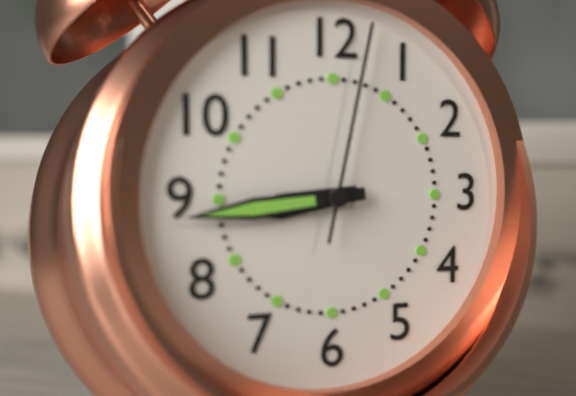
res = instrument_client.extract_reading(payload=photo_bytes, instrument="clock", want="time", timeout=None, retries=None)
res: 8:44:02
